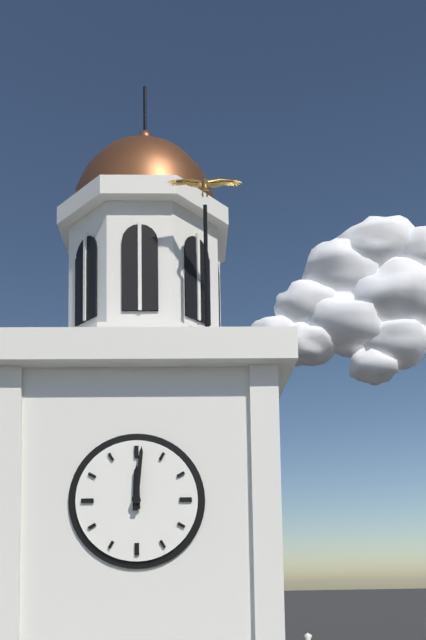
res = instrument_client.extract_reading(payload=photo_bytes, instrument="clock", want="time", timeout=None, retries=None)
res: 12:01
